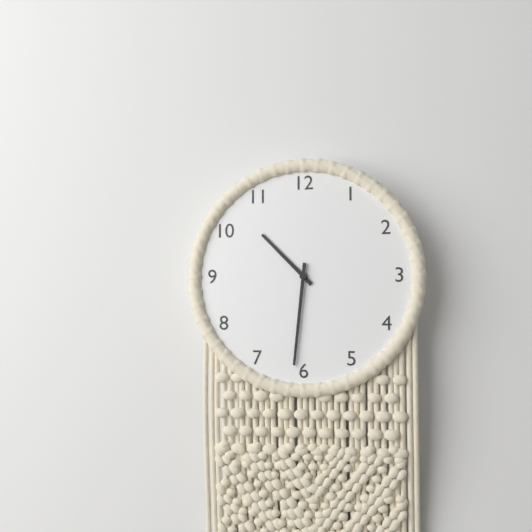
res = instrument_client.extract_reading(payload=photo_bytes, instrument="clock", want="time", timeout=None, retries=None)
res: 10:31
